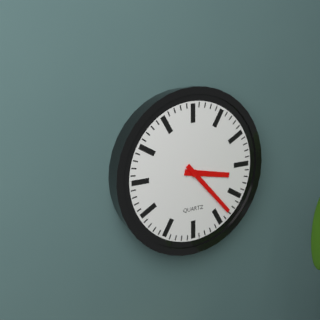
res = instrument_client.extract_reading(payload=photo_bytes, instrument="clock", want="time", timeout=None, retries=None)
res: 3:23
